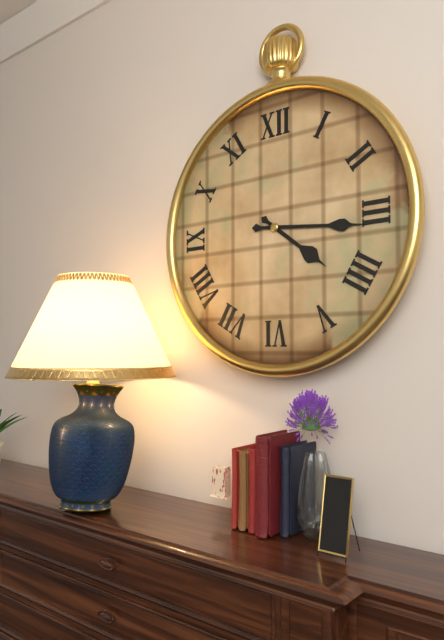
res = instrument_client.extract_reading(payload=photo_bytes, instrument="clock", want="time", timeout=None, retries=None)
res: 4:16
